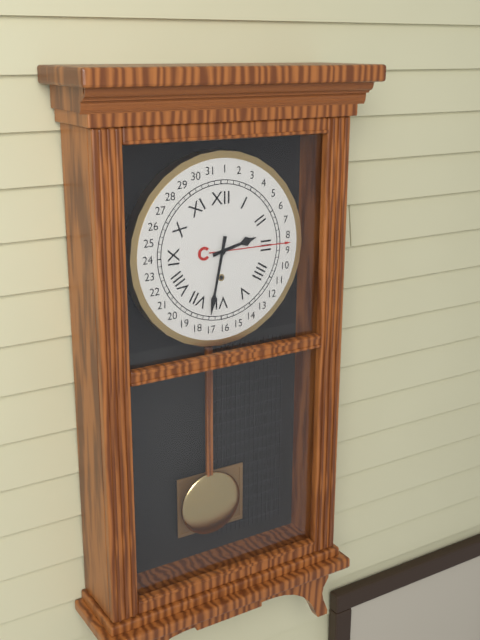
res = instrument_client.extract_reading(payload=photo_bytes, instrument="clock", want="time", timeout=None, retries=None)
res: 2:32
